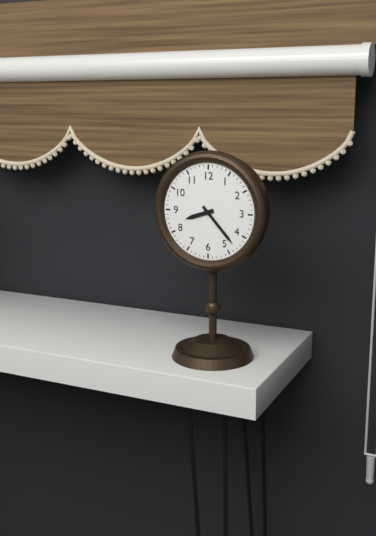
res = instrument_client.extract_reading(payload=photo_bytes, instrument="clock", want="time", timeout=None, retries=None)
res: 8:23
